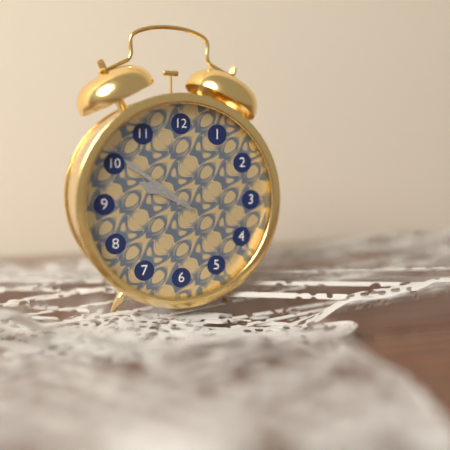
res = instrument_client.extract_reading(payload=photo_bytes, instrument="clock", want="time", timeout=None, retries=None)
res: 9:51
